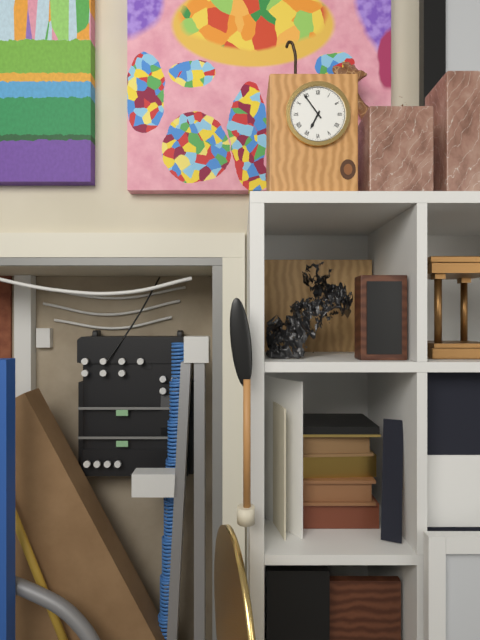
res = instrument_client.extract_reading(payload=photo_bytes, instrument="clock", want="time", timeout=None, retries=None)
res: 6:54
